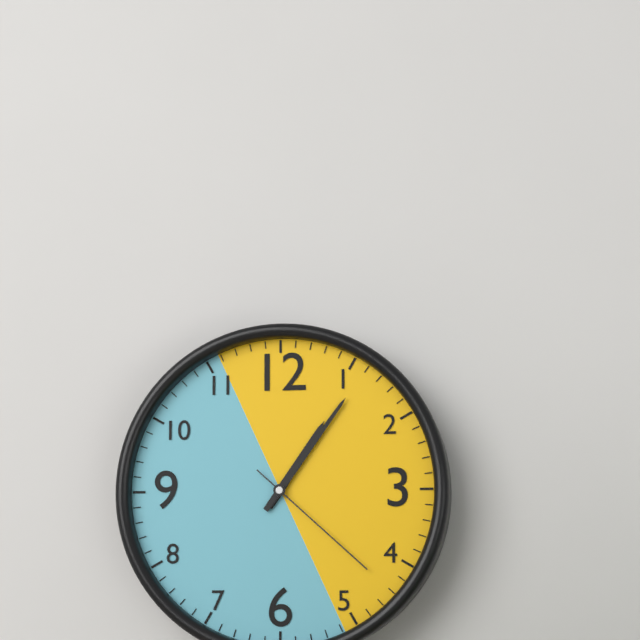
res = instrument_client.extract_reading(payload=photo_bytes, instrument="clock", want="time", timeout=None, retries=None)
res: 1:06:22
